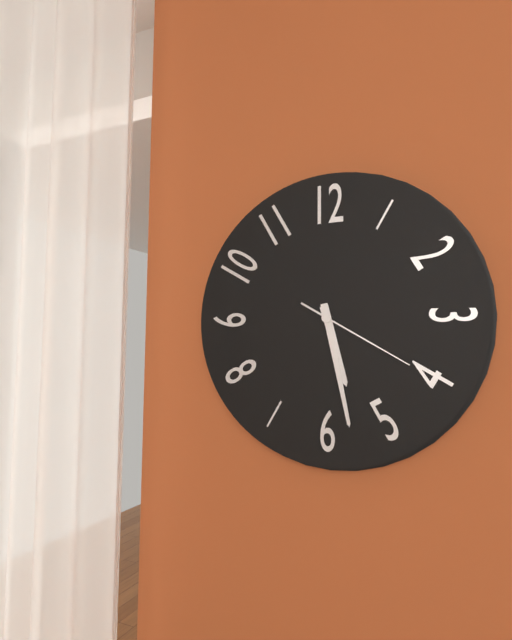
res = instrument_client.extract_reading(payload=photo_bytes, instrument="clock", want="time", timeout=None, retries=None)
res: 5:28:20
